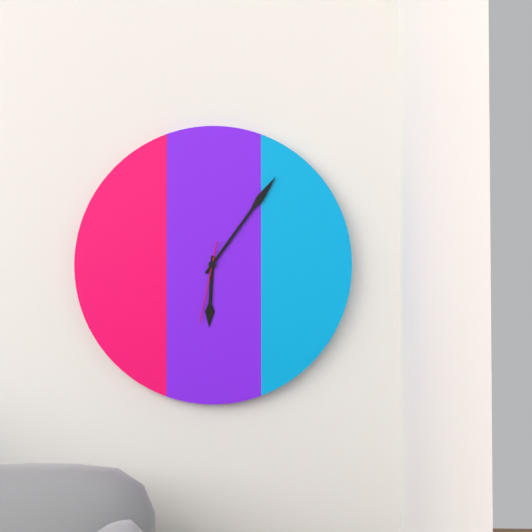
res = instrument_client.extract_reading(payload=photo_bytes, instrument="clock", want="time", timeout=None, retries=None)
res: 6:06:32
